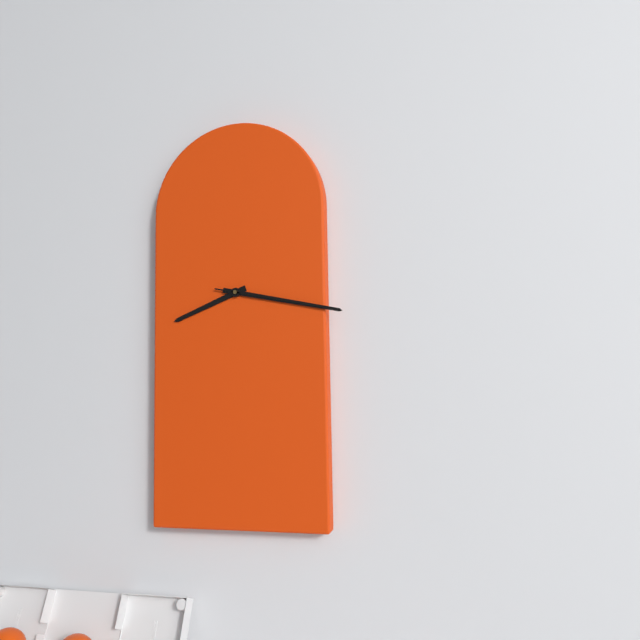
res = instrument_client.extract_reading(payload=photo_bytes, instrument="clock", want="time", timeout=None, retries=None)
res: 8:17:17
